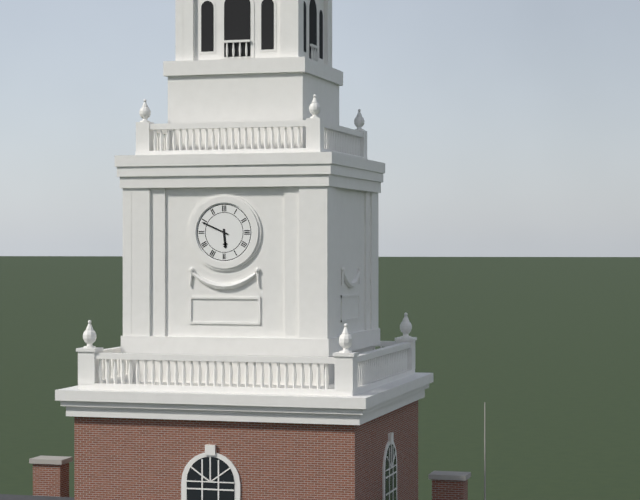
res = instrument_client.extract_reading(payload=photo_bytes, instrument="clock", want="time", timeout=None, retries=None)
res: 5:49
